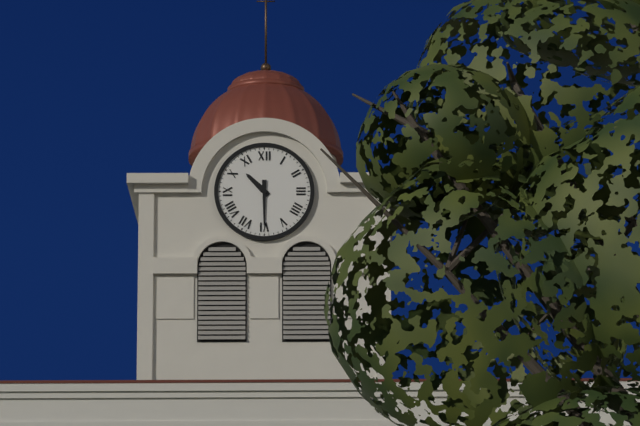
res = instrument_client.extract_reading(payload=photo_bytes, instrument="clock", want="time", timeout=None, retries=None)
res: 10:30
